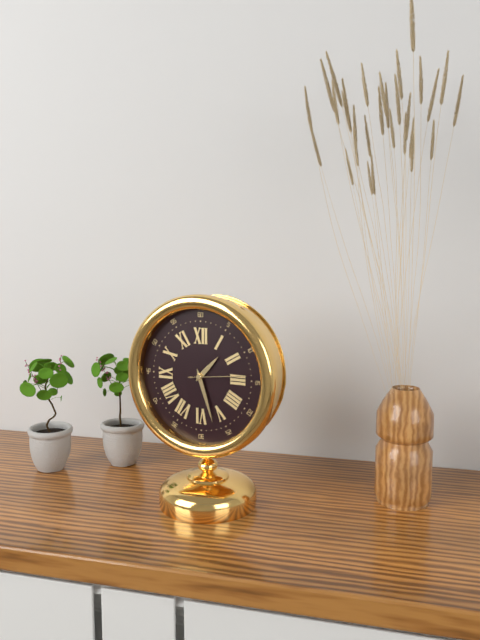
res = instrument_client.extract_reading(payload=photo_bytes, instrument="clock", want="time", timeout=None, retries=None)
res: 1:27:14
